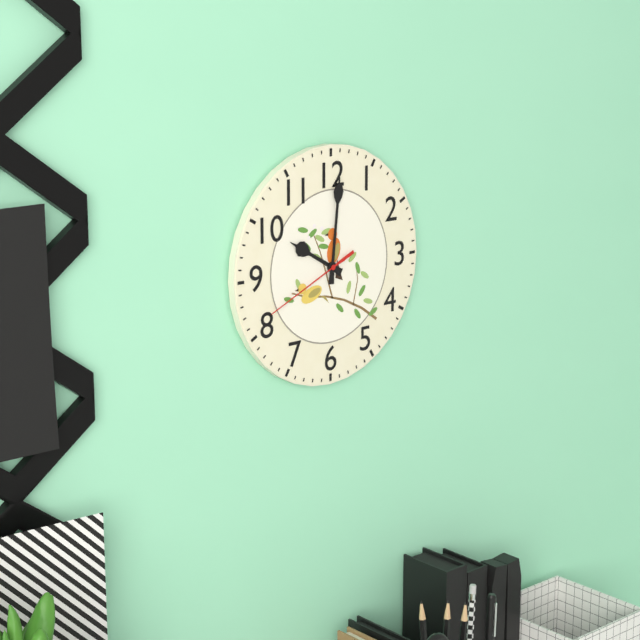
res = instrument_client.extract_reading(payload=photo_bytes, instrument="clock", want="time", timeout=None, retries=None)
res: 10:01:41
